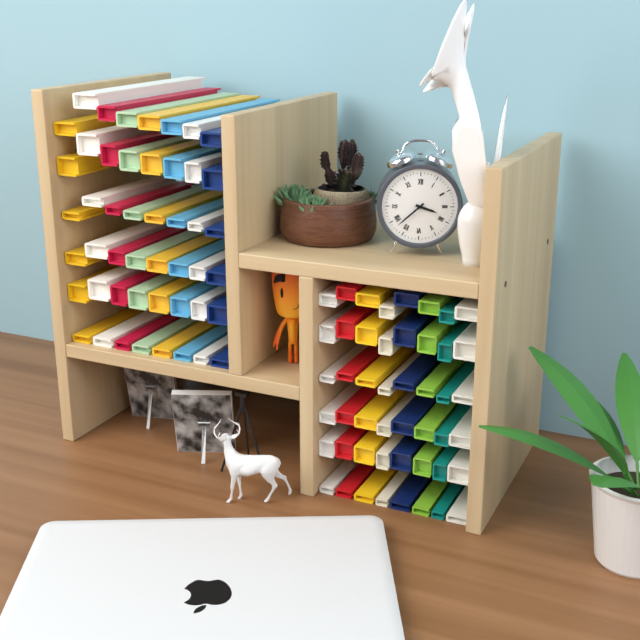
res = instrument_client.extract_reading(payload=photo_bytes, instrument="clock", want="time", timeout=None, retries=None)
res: 3:38
